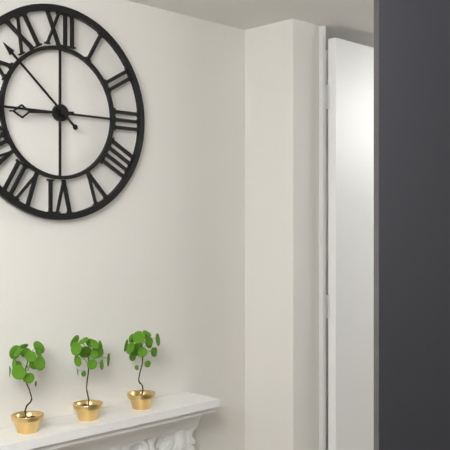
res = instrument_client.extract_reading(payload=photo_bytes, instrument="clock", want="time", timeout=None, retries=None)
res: 8:52
